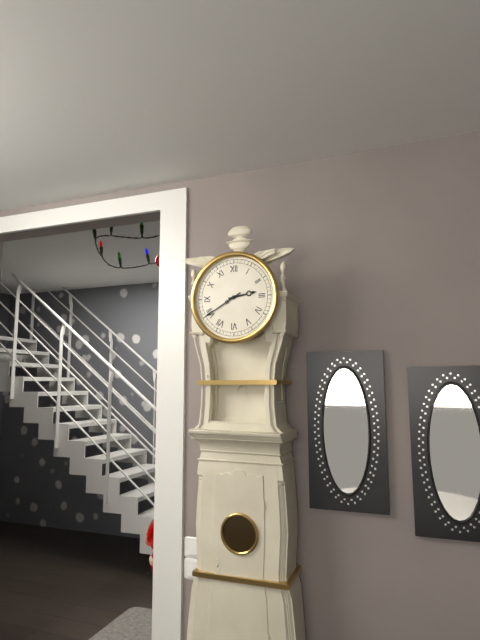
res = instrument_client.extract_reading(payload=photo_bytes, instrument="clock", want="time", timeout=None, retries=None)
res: 2:40
